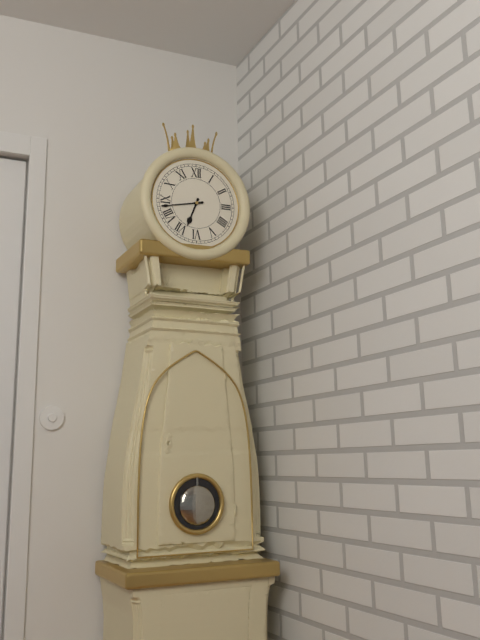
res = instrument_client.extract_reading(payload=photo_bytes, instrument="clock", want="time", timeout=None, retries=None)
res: 6:43
